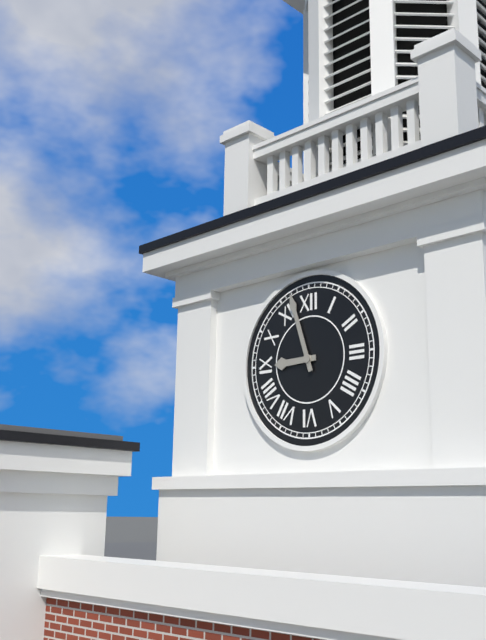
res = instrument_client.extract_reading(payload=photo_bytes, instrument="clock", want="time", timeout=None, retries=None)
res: 8:57
